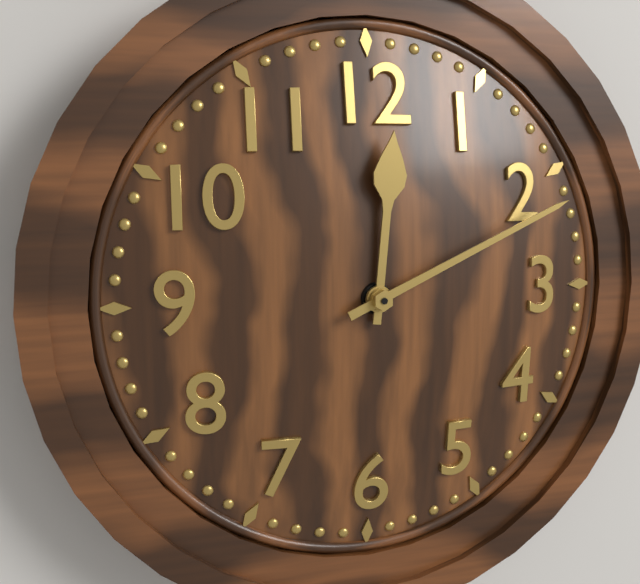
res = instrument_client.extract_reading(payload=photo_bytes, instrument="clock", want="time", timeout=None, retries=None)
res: 12:11
